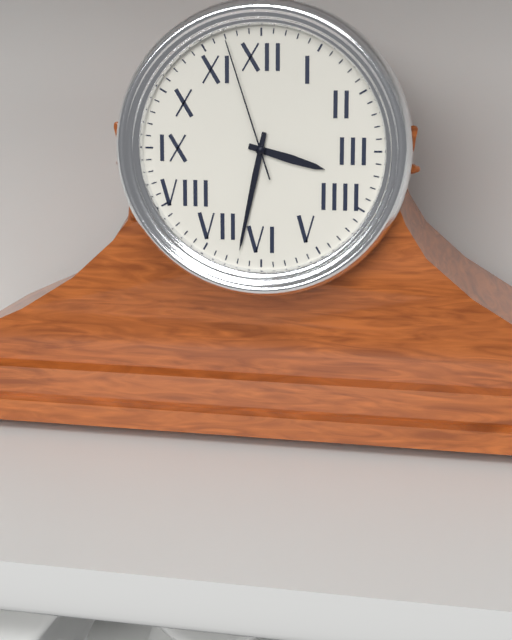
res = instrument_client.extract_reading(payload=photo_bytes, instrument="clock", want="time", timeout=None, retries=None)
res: 3:32:57
